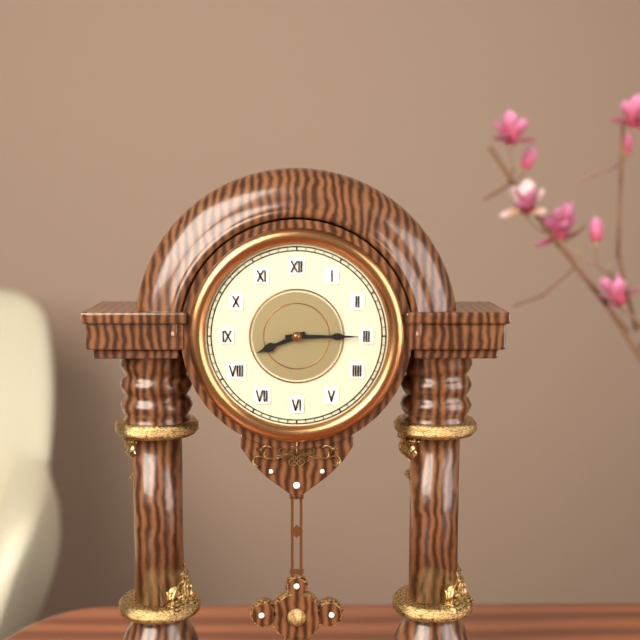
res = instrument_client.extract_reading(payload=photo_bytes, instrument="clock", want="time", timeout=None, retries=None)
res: 8:15
